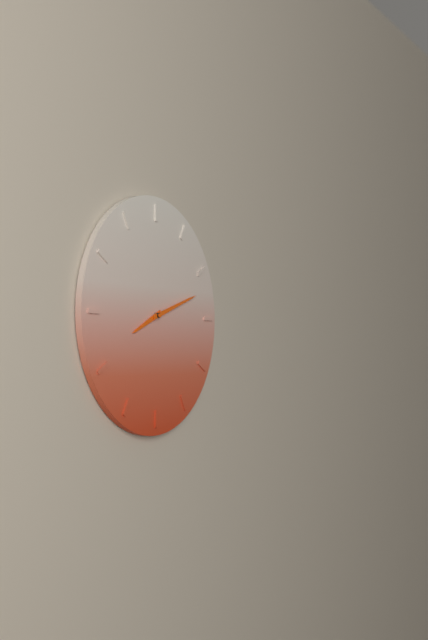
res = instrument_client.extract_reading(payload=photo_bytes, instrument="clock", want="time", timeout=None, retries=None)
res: 8:12
